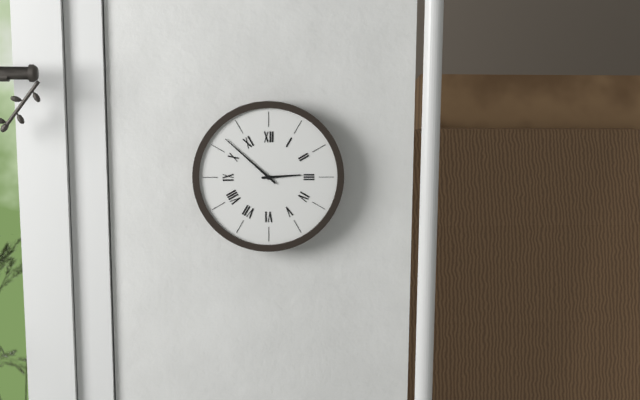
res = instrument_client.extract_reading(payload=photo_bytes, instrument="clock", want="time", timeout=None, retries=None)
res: 2:52
